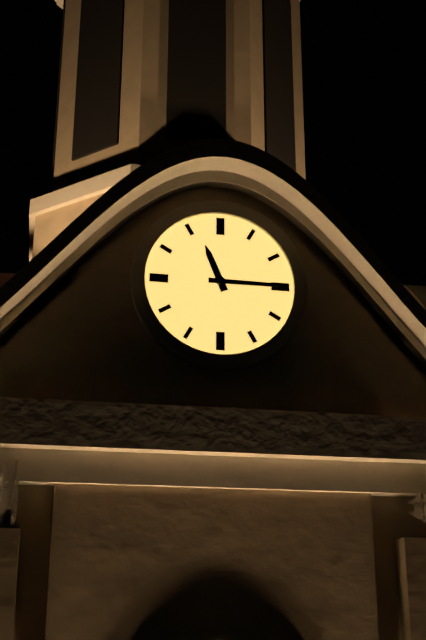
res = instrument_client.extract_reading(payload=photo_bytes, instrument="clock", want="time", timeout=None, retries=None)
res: 11:15
